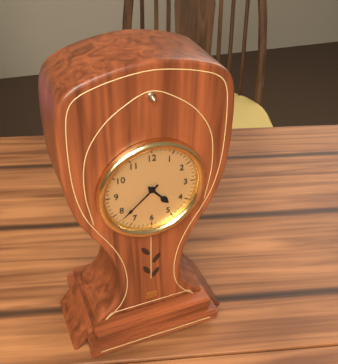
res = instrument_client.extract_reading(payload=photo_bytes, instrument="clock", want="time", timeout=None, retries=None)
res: 4:38
